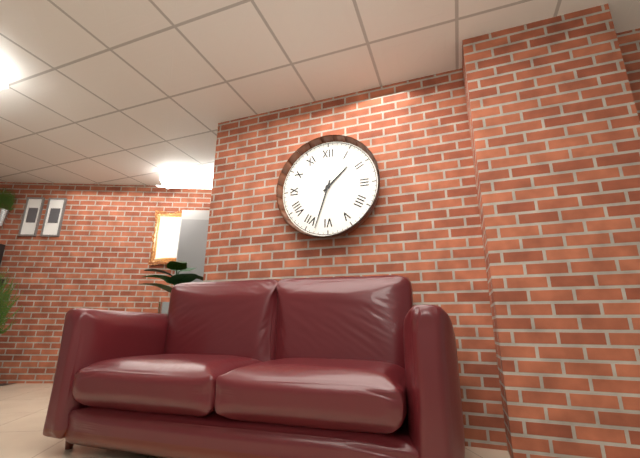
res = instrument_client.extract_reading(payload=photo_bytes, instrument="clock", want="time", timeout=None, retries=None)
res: 1:33
